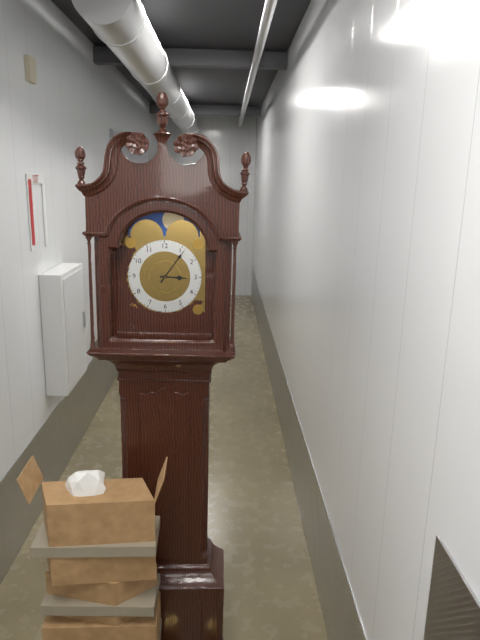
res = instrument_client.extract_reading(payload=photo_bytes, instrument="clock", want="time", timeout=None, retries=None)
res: 3:06
